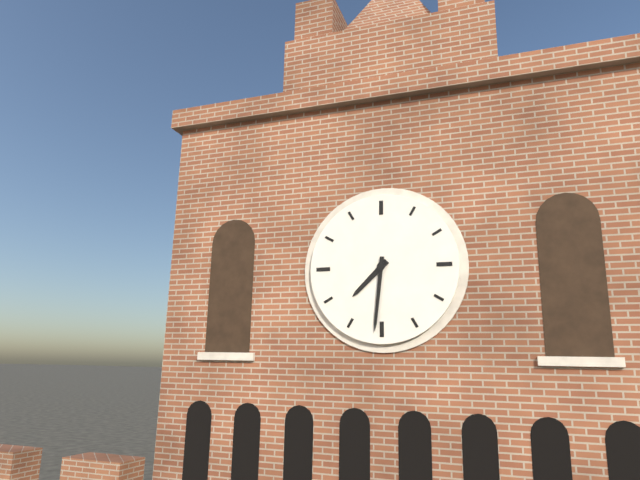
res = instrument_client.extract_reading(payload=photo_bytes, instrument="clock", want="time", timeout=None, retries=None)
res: 7:31
